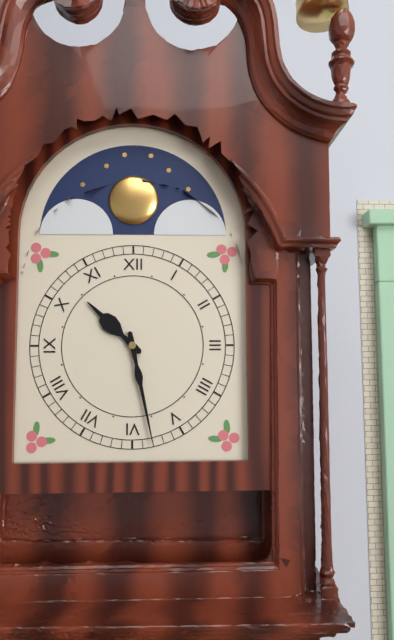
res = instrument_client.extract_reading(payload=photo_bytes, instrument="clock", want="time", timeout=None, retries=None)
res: 10:28
